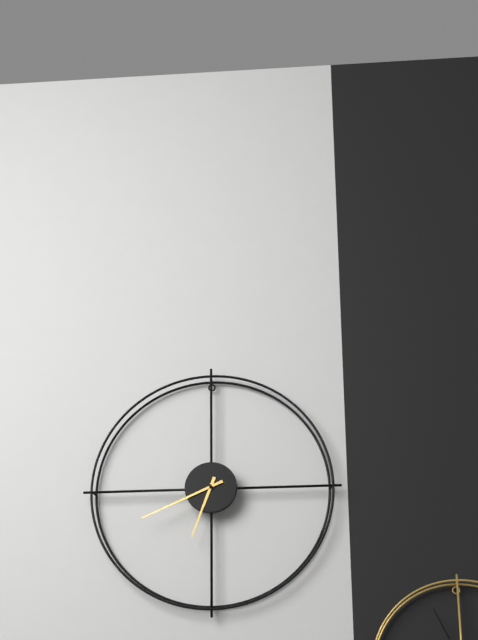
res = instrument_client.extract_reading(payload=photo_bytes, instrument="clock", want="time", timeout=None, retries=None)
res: 6:41
